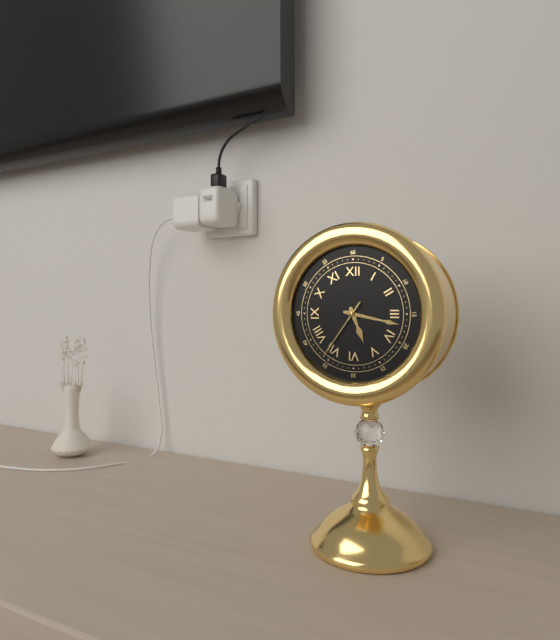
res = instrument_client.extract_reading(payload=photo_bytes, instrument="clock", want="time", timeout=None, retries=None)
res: 5:17:36
